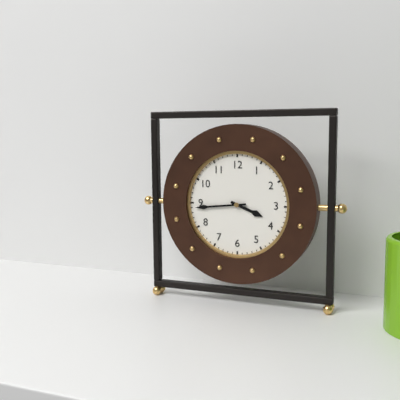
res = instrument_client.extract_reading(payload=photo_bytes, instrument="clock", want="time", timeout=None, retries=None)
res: 3:44
